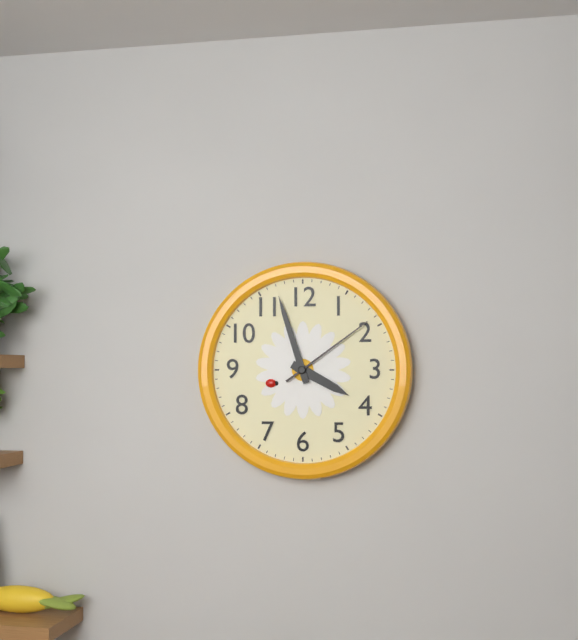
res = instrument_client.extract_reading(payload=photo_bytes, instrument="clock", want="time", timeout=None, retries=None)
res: 3:57:09
